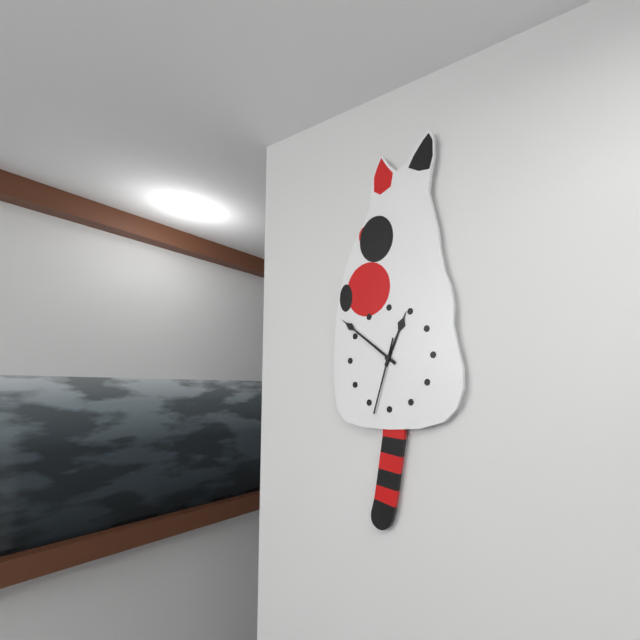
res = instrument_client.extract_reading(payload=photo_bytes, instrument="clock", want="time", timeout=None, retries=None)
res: 12:51:33
